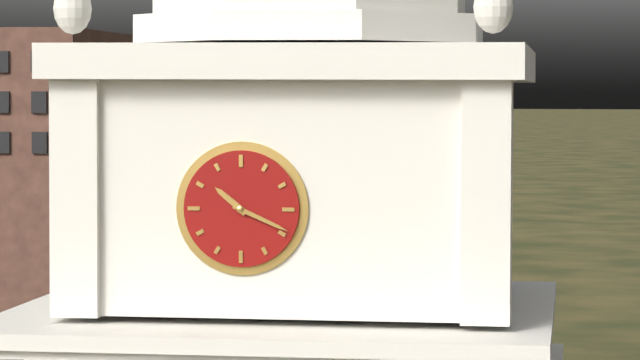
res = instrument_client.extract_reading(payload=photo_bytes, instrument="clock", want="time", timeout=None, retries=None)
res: 10:19
